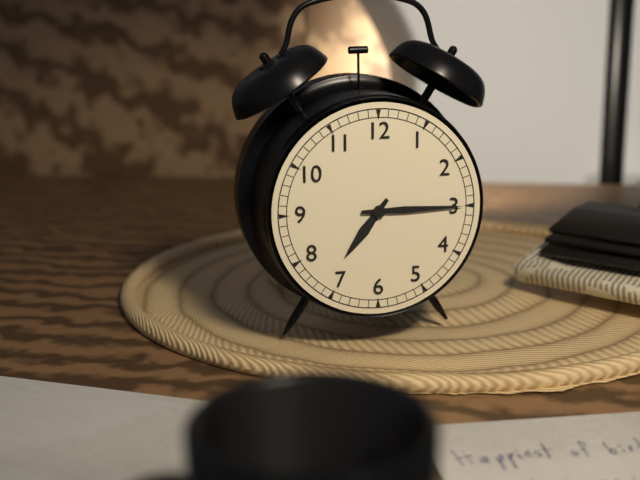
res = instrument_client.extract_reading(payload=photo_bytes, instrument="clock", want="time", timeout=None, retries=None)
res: 7:15
